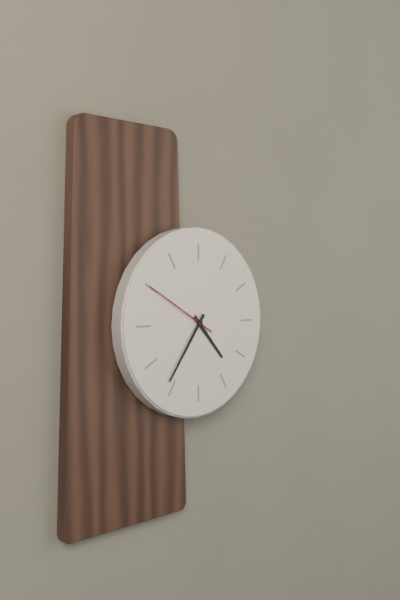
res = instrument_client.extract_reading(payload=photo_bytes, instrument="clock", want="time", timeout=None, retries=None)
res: 4:36:50
